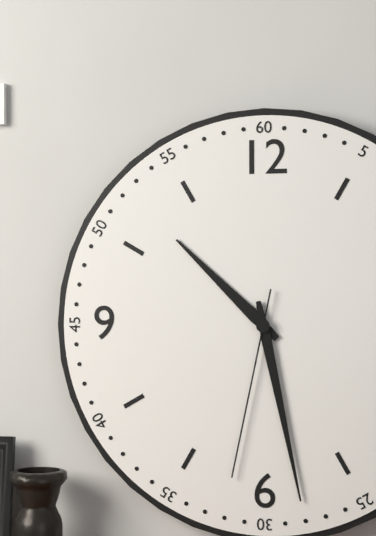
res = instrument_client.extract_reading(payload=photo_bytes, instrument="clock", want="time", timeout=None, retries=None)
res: 10:28:32
